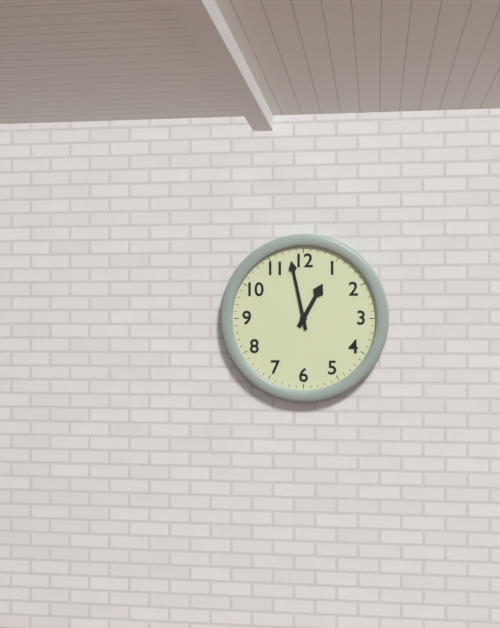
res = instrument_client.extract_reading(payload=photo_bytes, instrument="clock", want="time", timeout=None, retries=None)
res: 12:58
